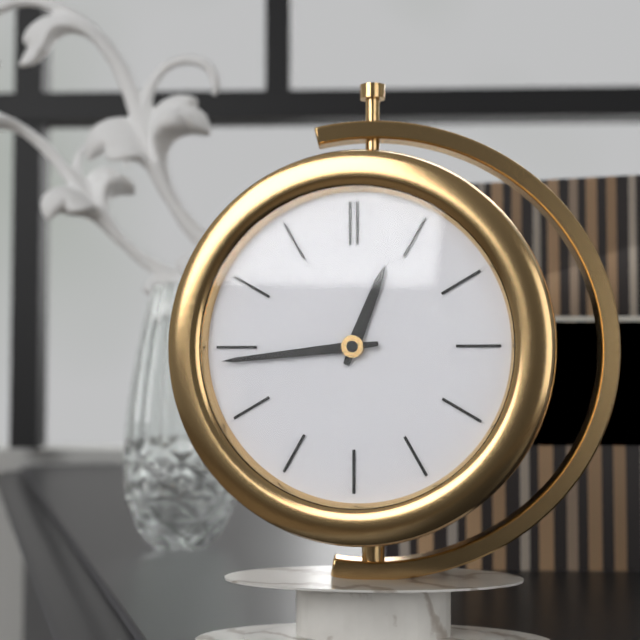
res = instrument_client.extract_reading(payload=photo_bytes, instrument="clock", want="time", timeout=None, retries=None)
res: 12:44
